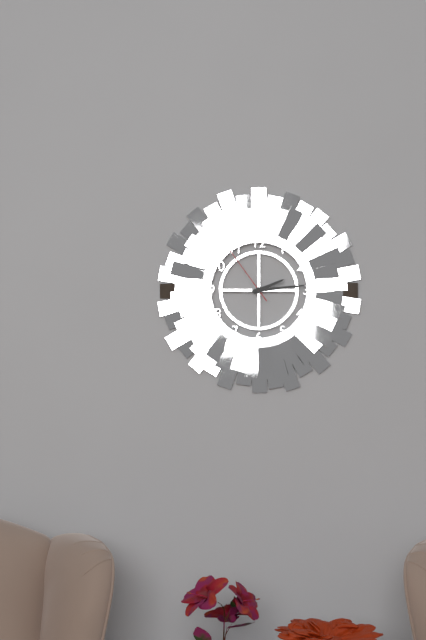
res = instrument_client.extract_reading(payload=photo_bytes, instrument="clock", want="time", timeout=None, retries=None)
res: 2:14:54
